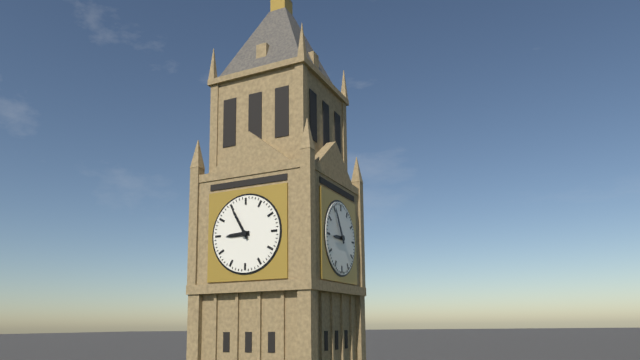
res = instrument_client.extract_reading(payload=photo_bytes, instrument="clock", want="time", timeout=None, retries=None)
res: 8:55
